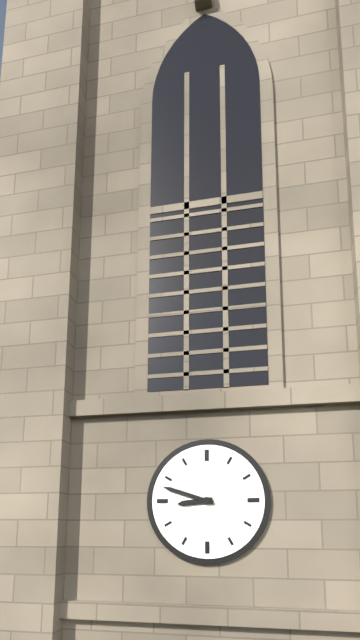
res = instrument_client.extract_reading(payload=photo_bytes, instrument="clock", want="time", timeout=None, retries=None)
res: 8:48
